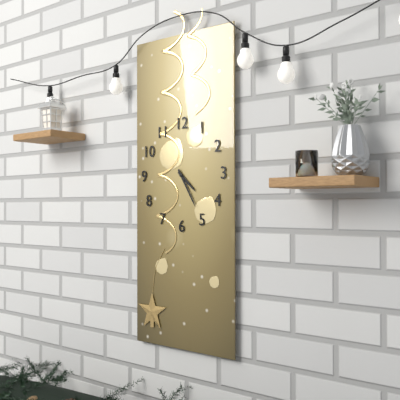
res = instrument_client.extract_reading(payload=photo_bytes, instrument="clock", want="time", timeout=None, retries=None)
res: 4:25
